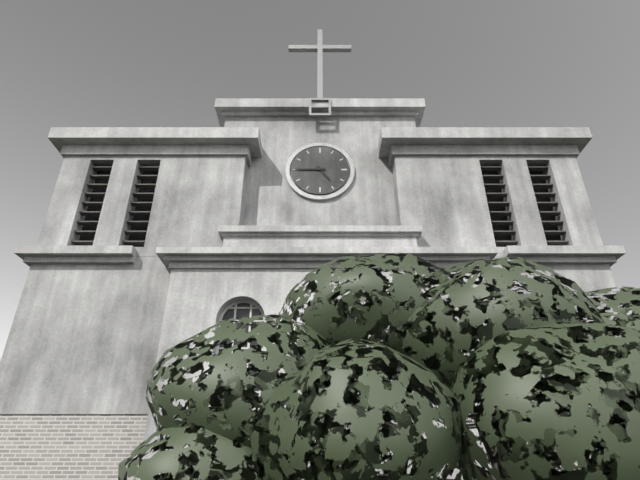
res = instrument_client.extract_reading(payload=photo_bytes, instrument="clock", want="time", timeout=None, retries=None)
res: 4:45
